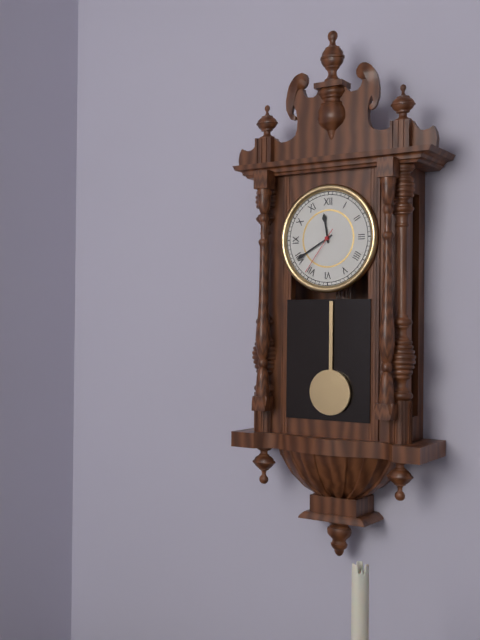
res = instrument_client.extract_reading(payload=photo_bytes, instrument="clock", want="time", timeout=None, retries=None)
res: 11:40:36
